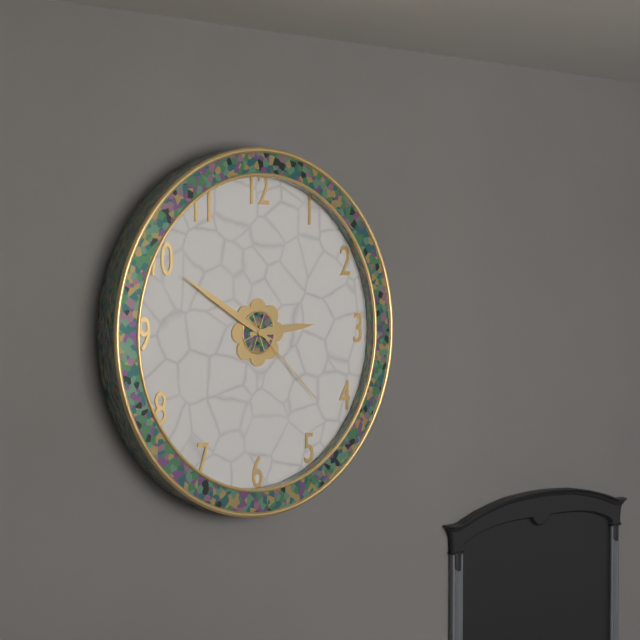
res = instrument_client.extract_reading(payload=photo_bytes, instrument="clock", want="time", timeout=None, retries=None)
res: 2:50:22
